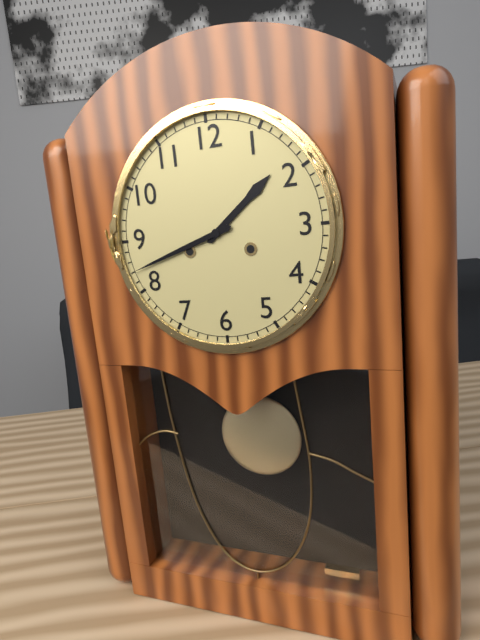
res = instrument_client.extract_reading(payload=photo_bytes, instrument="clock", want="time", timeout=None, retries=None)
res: 1:42
